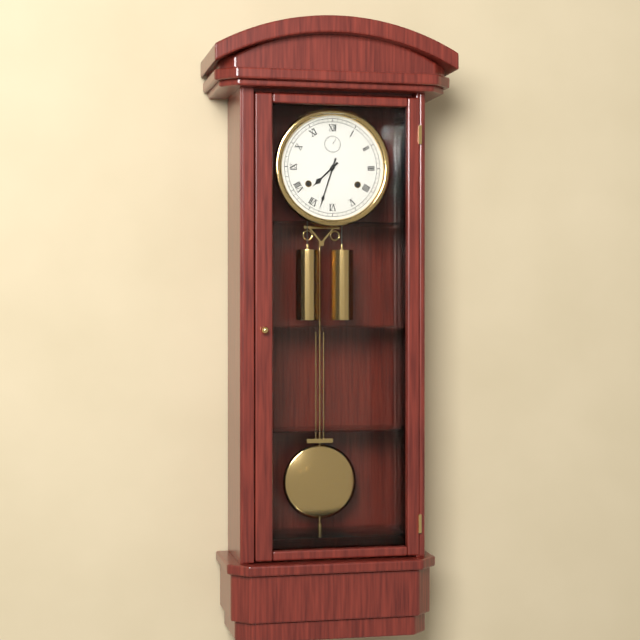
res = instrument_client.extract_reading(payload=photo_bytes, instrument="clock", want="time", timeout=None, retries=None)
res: 7:33
